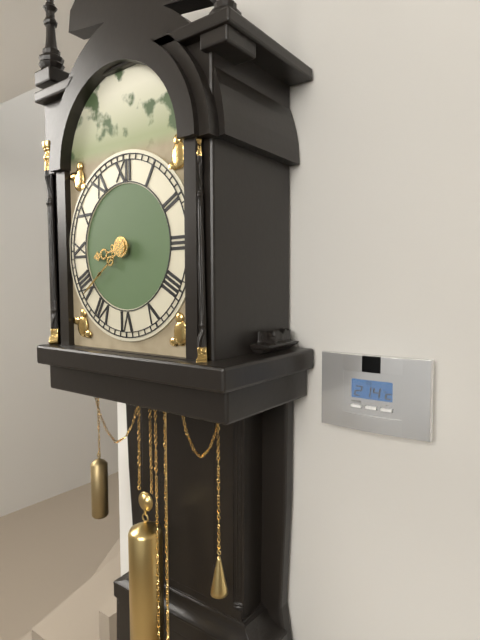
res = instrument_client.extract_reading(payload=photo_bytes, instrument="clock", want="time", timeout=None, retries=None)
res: 8:39
